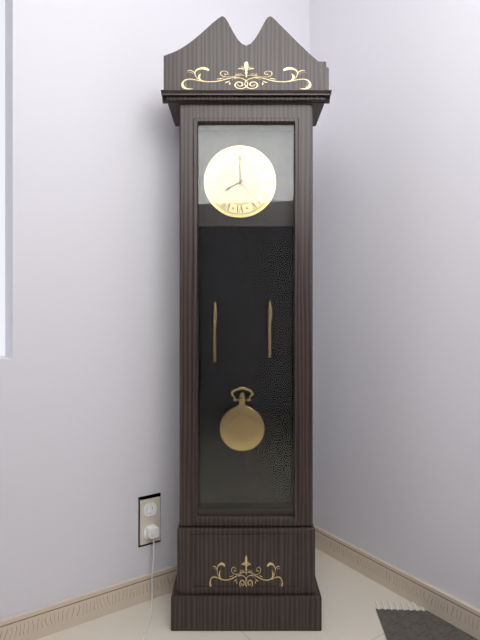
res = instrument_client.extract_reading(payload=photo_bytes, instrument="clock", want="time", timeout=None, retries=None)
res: 8:00
